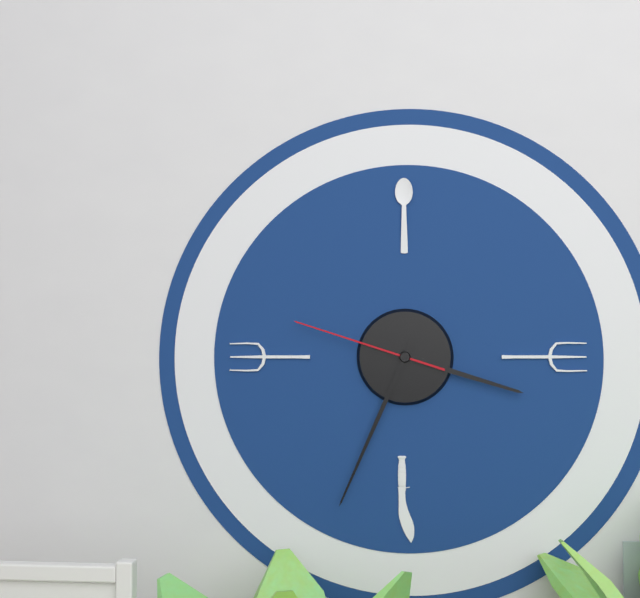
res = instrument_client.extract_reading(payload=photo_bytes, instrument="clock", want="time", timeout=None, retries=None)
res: 3:34:48
